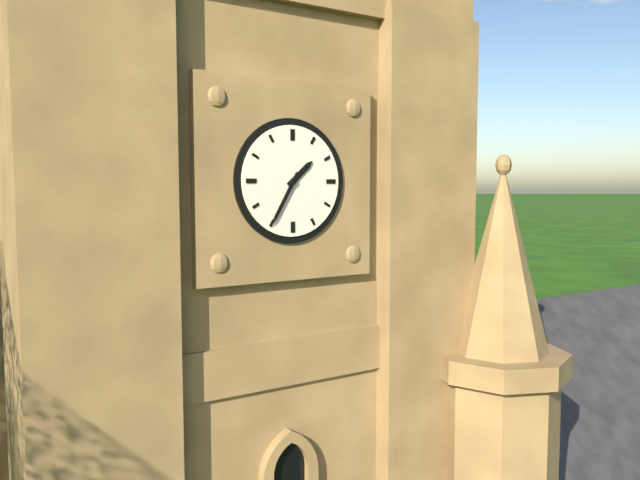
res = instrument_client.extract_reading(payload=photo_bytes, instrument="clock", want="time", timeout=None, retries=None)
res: 1:35
